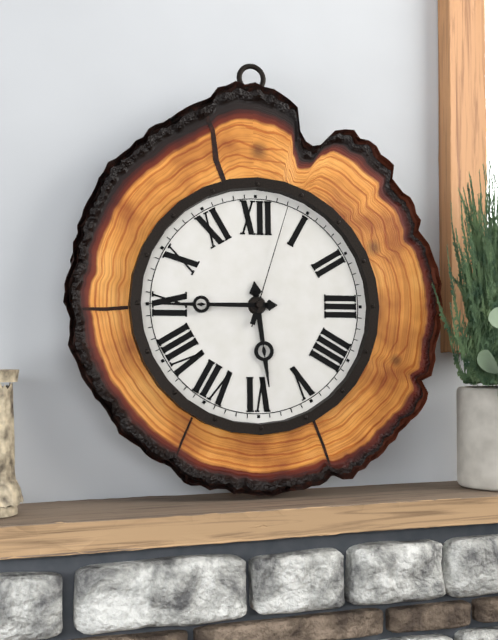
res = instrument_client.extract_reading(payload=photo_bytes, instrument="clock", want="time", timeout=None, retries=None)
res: 5:45:03
